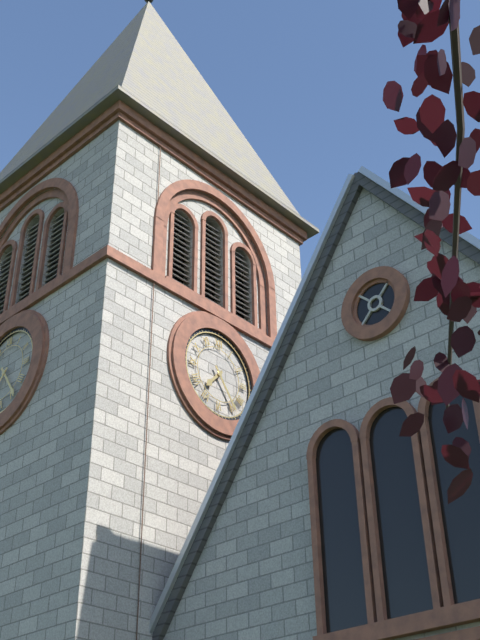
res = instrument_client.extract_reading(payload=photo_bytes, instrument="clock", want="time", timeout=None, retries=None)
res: 7:24
